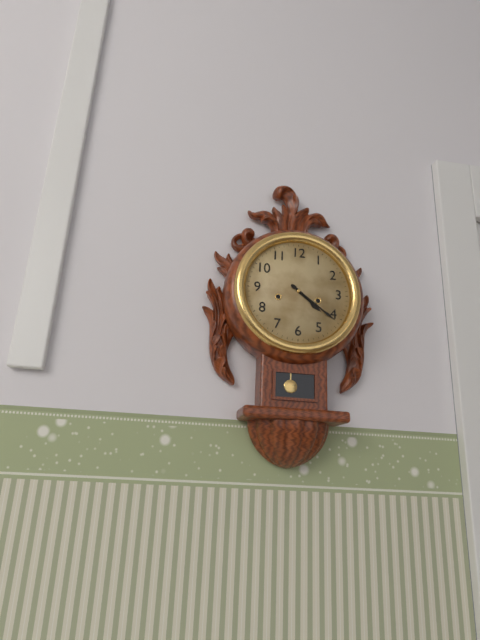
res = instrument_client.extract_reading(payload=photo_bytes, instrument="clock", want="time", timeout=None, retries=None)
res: 4:21
